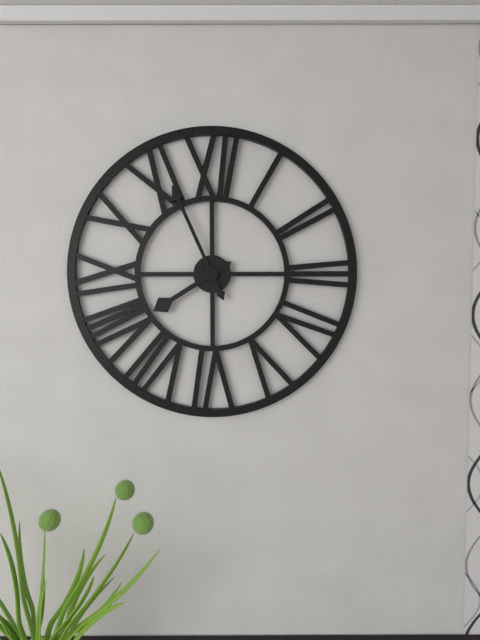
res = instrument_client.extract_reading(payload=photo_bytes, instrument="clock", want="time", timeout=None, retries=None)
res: 7:56
